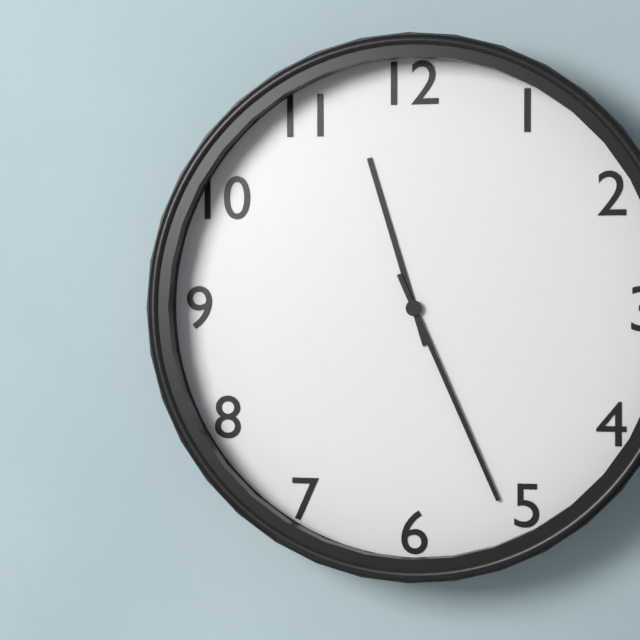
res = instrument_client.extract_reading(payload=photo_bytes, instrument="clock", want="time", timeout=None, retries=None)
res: 11:26
